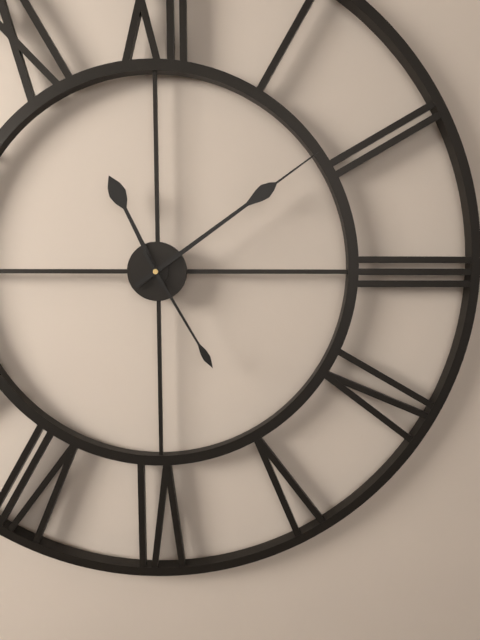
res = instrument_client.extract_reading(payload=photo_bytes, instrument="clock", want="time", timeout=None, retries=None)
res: 11:09:25
